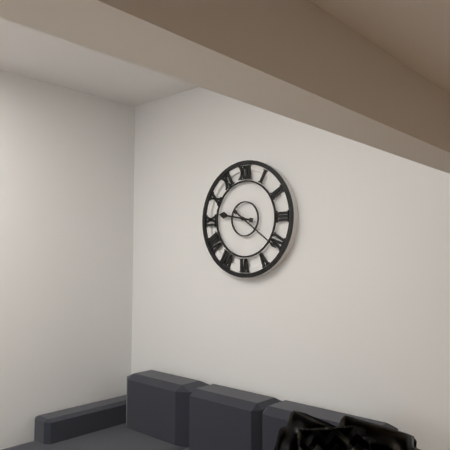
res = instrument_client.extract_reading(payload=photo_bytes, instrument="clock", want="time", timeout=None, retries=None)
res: 9:21
